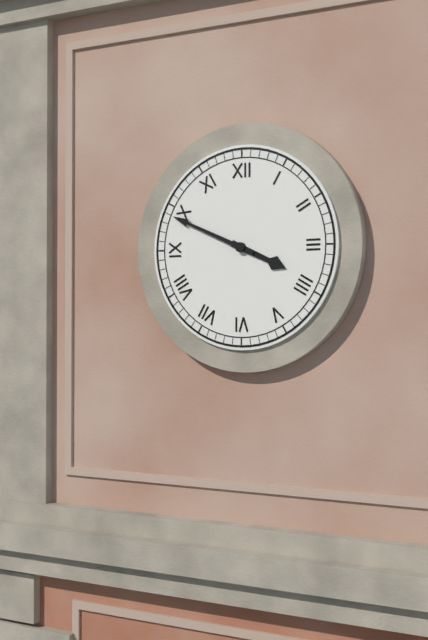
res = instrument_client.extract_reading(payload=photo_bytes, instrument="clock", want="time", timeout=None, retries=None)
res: 3:49
